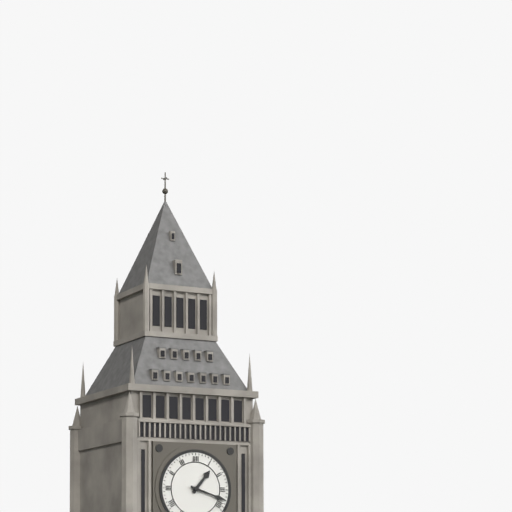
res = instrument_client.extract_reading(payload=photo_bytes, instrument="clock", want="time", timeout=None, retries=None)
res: 1:18
